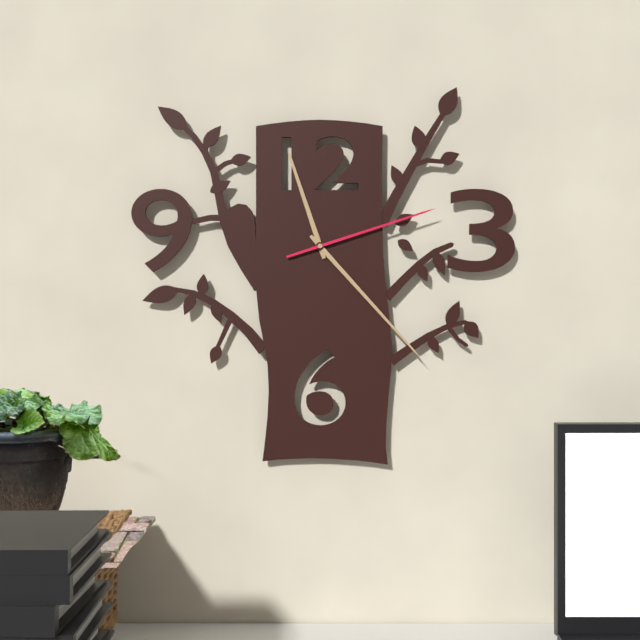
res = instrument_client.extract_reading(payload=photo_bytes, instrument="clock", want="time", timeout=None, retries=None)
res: 11:23:12
